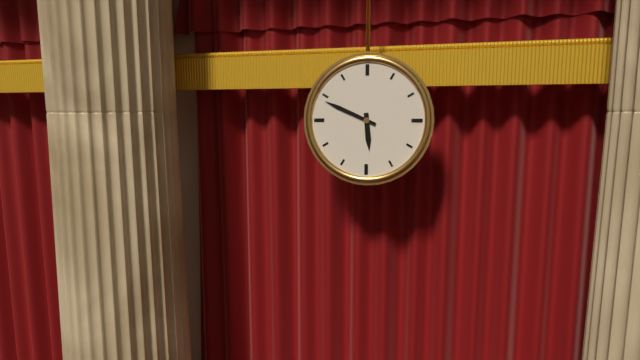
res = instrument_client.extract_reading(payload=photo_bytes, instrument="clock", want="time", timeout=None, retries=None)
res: 5:49
